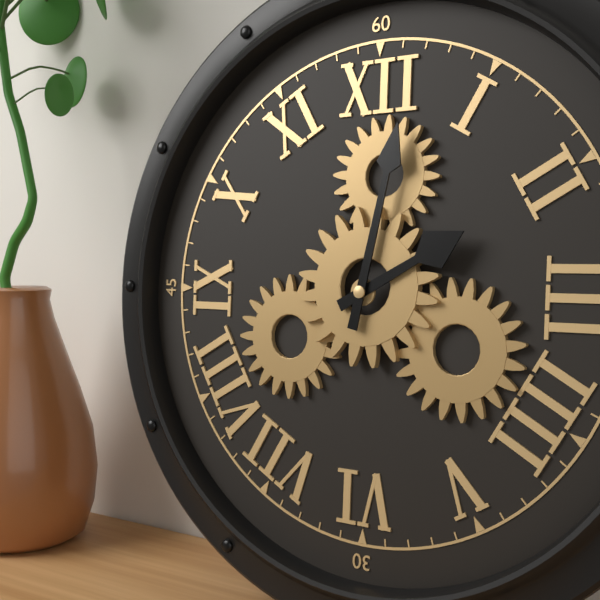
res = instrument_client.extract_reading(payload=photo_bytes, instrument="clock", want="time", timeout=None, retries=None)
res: 2:02
